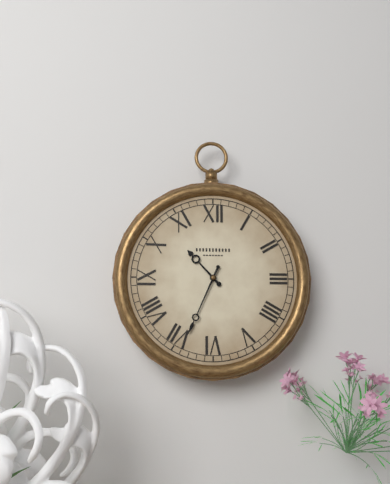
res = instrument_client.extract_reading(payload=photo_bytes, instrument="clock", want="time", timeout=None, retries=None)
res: 10:34
